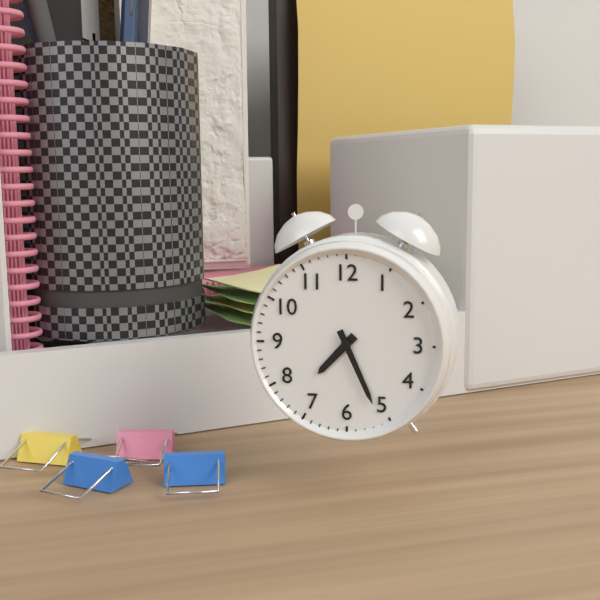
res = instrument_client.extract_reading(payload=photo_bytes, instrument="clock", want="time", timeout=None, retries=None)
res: 7:26
